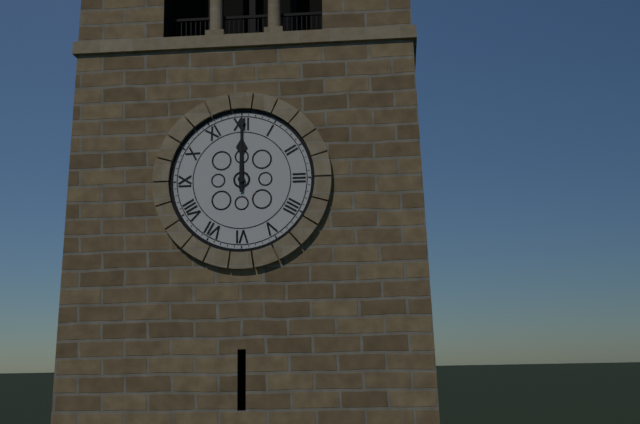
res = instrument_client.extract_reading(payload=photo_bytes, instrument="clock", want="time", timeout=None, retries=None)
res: 12:00
